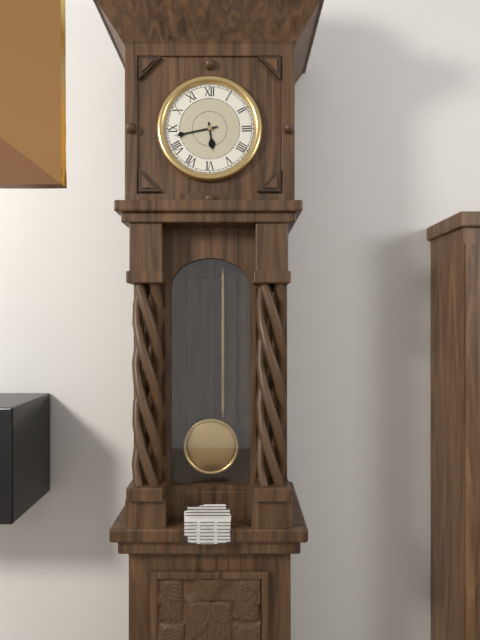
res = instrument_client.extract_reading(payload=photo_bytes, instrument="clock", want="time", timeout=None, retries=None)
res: 5:43
